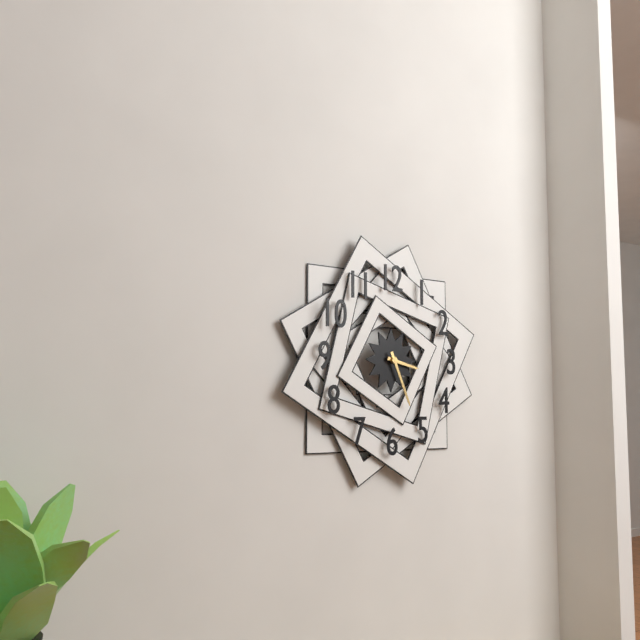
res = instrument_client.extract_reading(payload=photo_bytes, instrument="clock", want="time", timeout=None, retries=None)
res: 3:26
